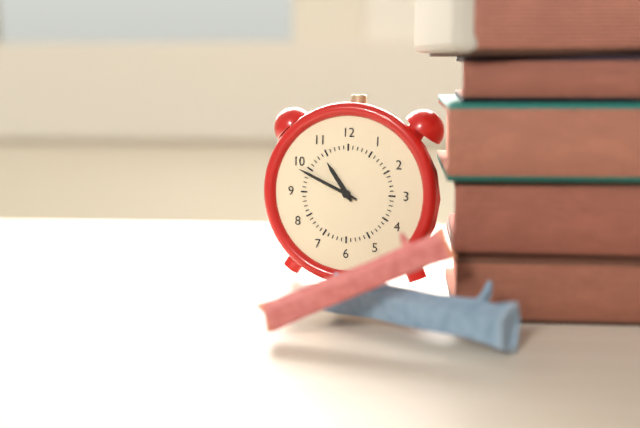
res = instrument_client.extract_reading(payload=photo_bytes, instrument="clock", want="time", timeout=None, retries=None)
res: 10:49
